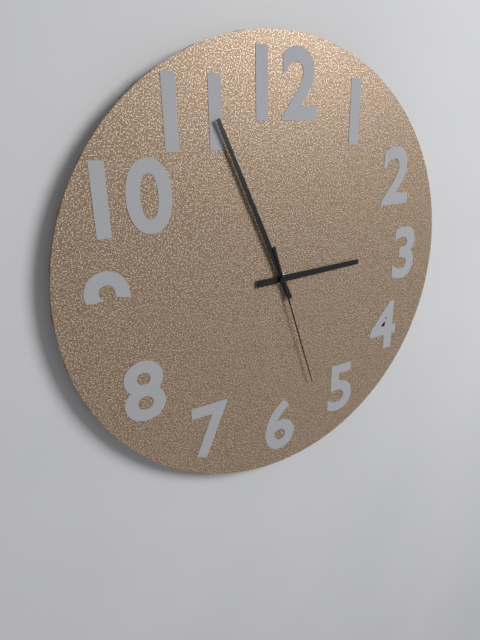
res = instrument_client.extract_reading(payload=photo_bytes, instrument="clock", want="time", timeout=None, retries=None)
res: 2:56:27
